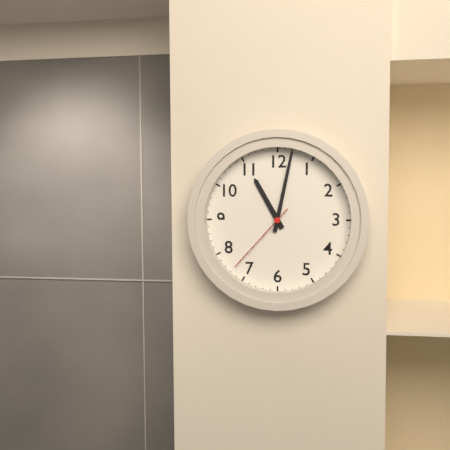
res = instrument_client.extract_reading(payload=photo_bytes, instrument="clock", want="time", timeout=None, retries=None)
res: 11:02:37
